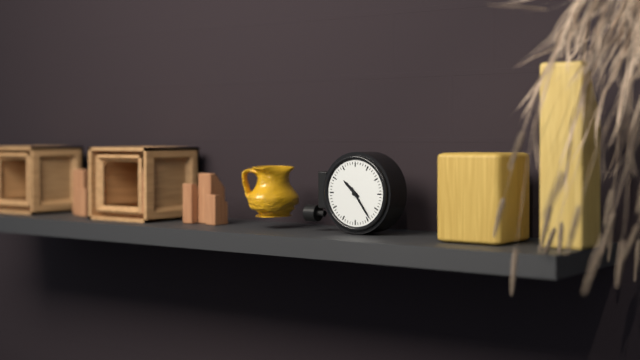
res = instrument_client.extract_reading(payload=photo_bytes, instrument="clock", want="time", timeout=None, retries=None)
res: 10:24
